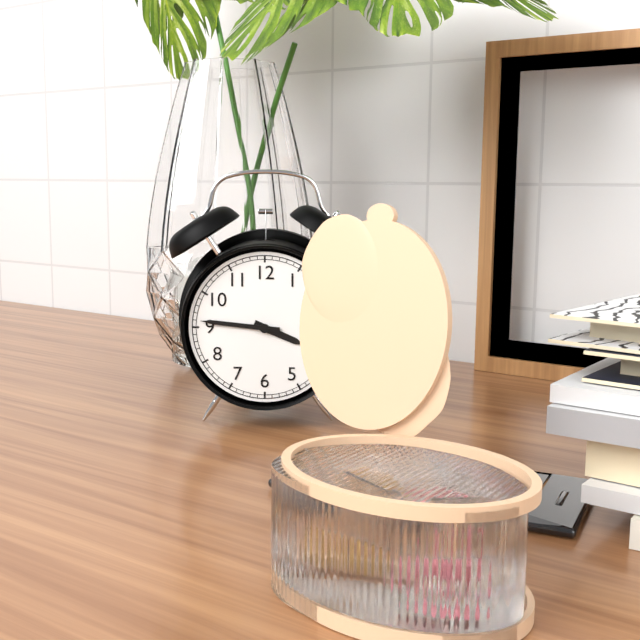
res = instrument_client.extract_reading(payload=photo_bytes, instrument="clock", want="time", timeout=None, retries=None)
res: 3:46
